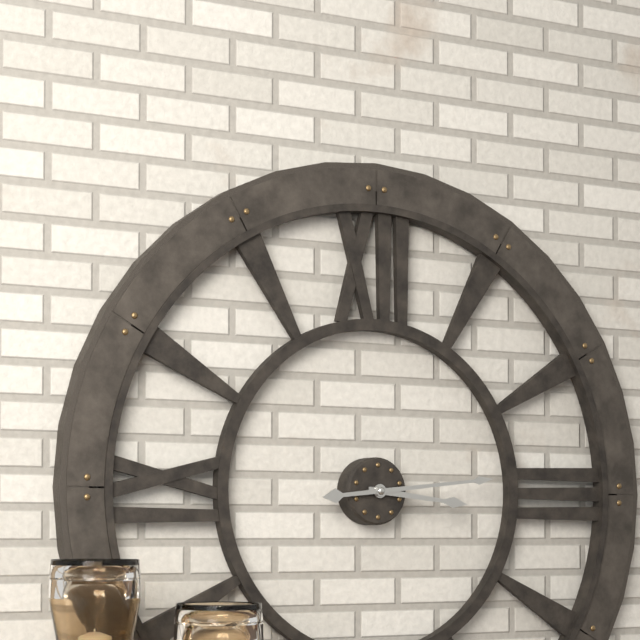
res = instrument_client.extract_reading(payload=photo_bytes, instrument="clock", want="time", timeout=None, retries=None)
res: 3:14
